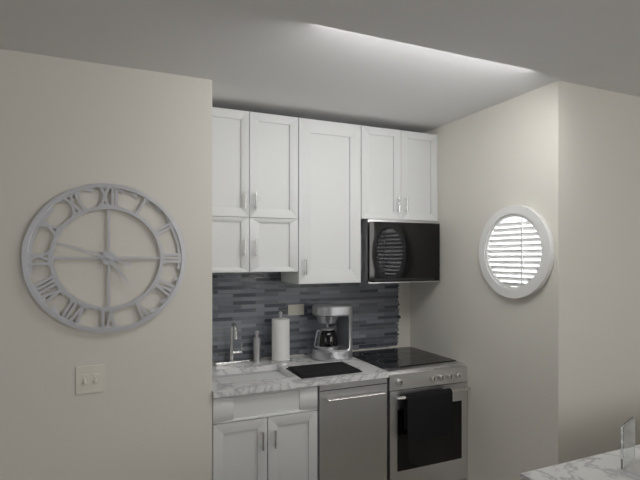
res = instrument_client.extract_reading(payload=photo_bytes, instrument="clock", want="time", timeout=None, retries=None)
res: 4:48
